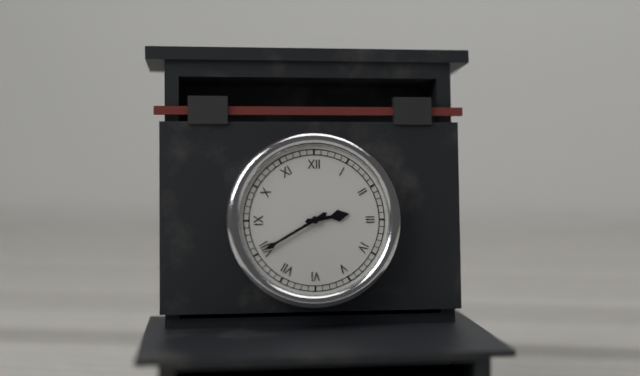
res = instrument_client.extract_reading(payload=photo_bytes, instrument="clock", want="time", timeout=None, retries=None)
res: 2:40
